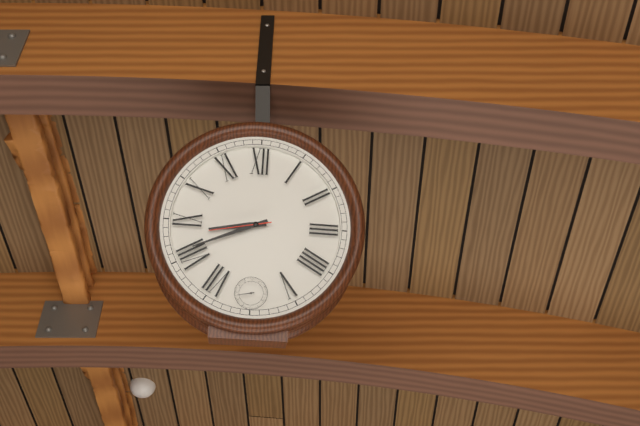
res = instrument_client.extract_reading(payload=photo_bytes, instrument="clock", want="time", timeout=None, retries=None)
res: 8:41:43
